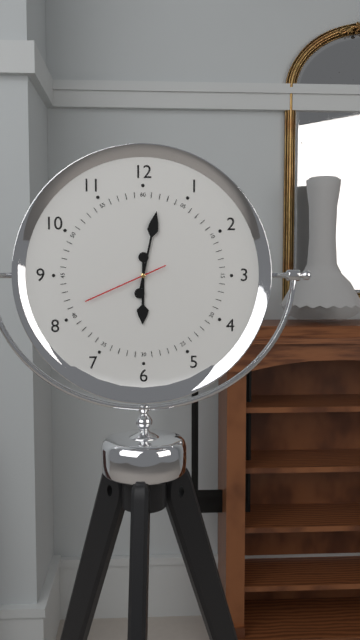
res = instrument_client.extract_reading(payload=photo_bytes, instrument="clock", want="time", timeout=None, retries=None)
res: 6:02:41
